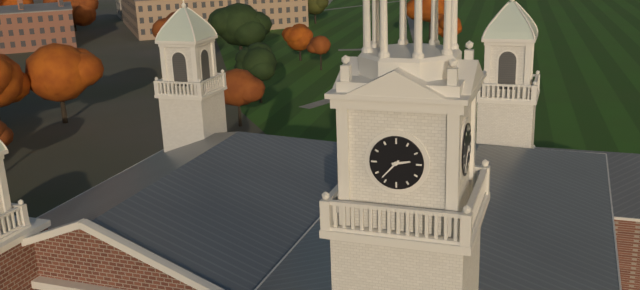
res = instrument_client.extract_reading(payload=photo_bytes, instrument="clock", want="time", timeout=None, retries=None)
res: 2:37
